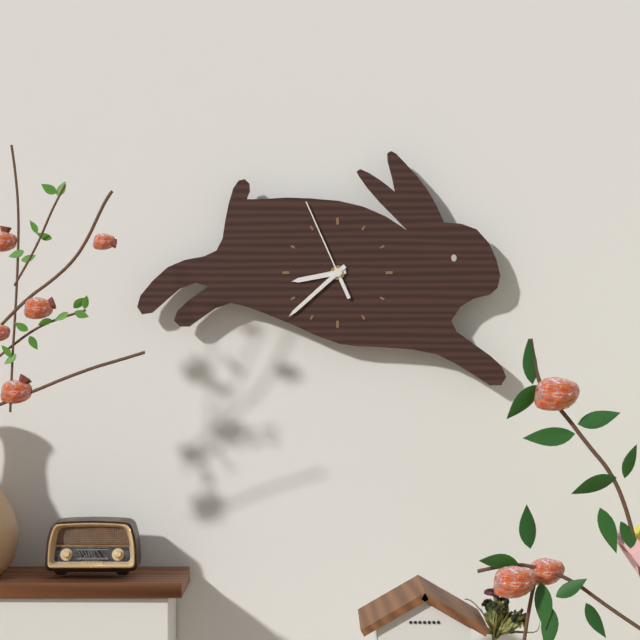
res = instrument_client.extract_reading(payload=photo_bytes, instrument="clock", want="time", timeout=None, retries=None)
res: 8:38:56
